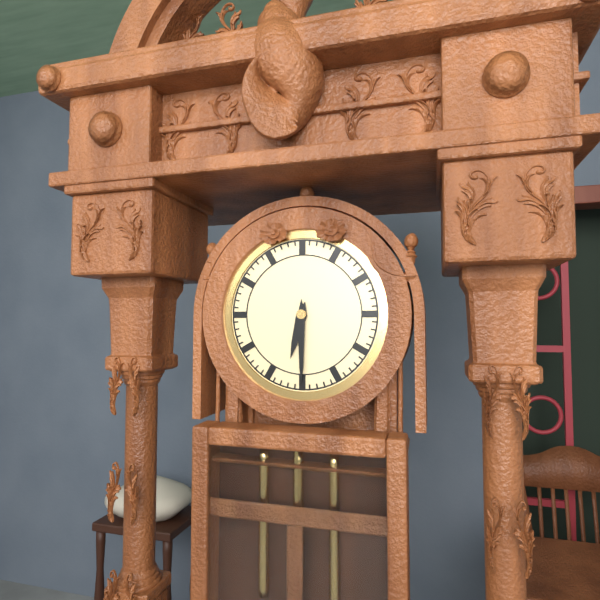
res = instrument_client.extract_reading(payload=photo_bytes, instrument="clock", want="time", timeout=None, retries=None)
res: 6:30
